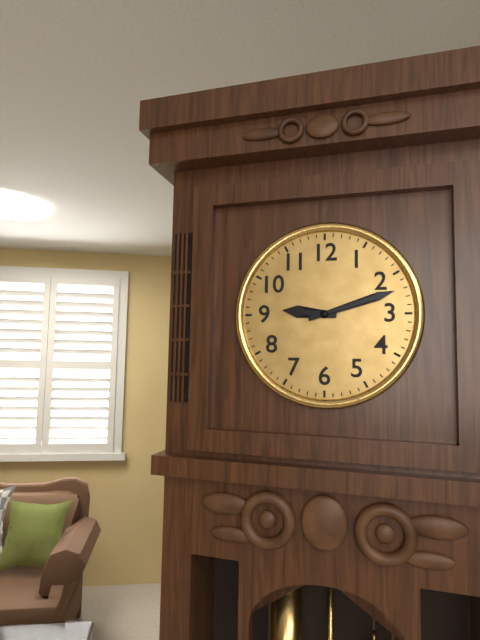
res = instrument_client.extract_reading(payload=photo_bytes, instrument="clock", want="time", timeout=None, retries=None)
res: 9:12
